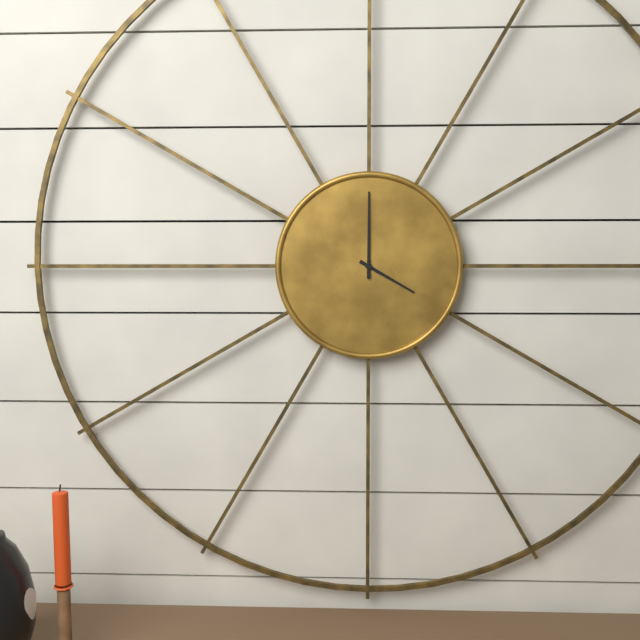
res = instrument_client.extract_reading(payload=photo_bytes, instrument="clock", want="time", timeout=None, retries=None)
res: 4:00
